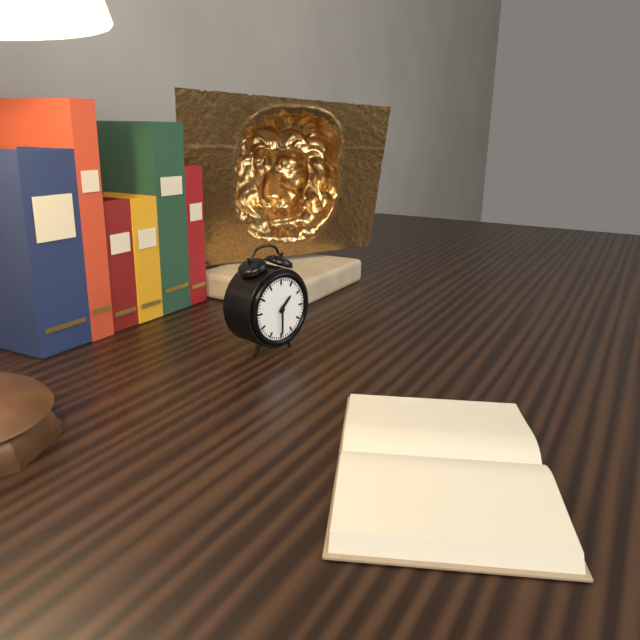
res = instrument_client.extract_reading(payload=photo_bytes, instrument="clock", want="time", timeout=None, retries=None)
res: 1:30
